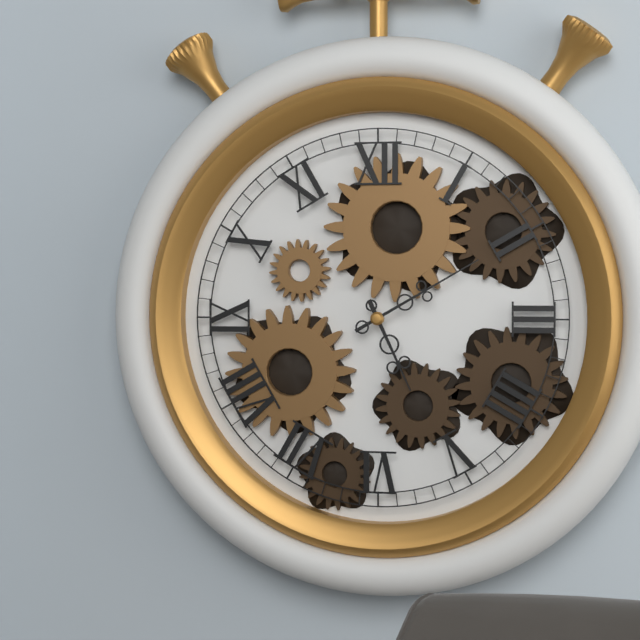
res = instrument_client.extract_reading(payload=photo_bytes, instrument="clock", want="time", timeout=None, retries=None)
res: 5:10
